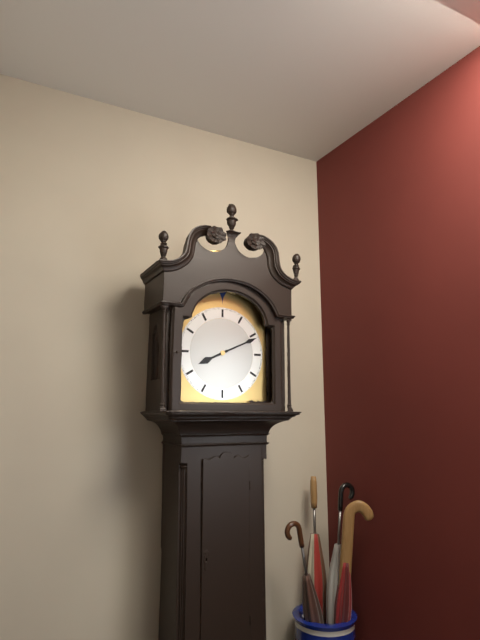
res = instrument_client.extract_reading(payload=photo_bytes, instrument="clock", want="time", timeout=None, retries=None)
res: 8:11
